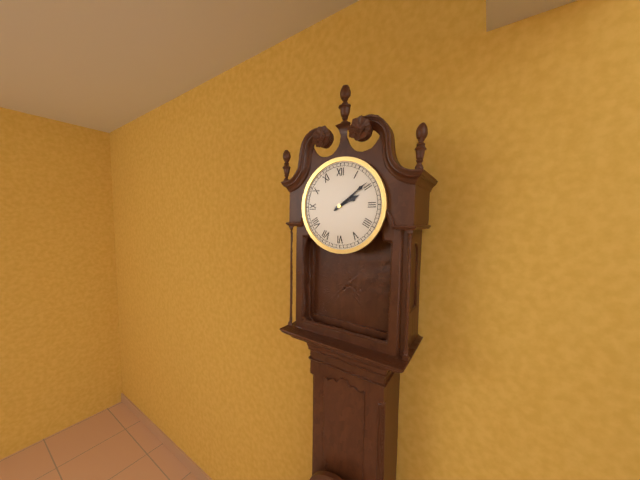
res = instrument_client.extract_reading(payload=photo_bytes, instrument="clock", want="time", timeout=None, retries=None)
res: 2:09
